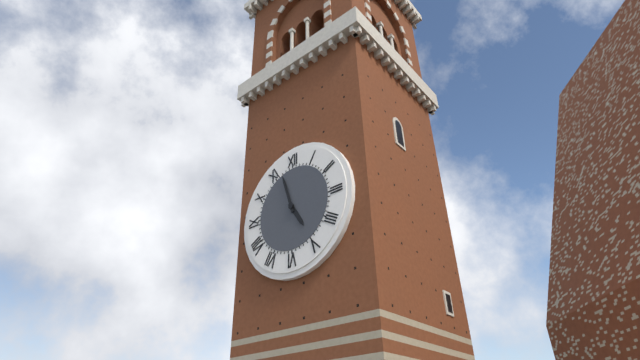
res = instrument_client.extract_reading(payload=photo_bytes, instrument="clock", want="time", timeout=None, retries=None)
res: 4:57
